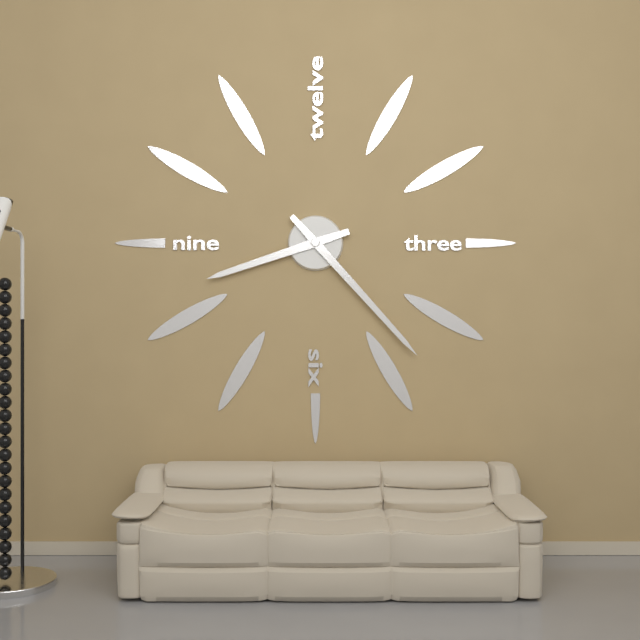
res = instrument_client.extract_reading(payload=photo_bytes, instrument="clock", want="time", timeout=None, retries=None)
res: 8:23
